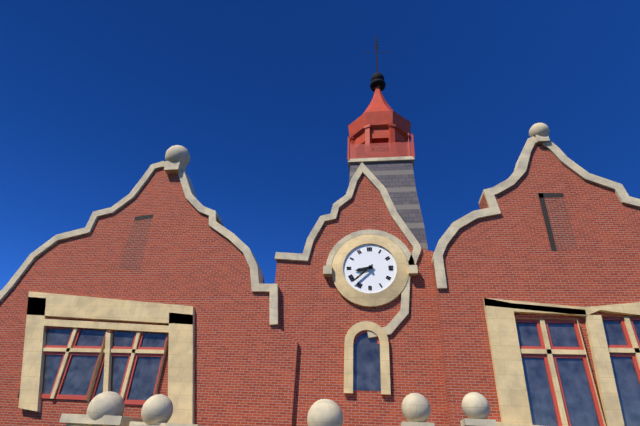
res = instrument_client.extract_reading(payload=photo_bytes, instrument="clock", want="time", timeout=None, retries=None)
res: 8:38
